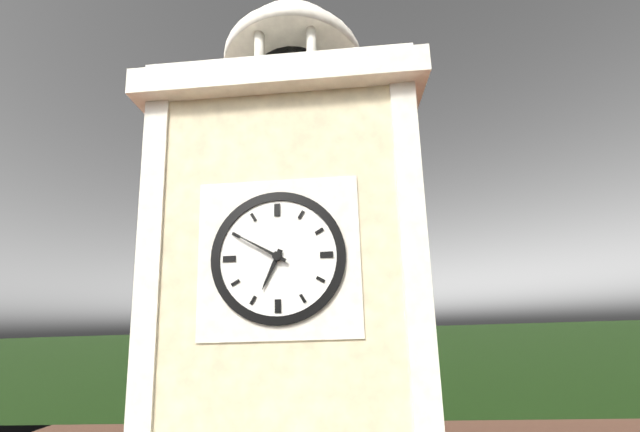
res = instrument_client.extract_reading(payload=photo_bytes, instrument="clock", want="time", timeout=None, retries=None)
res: 6:50
